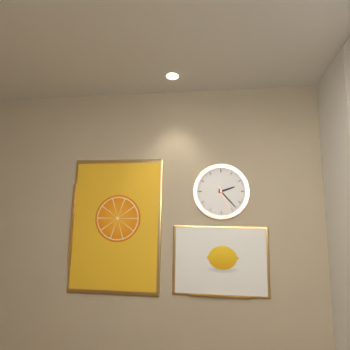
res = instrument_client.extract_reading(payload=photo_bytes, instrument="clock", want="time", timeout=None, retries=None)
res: 2:23
